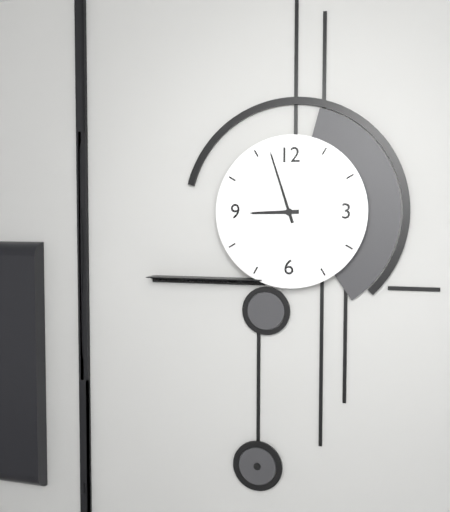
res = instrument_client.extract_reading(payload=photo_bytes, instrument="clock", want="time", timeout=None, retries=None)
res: 8:57
